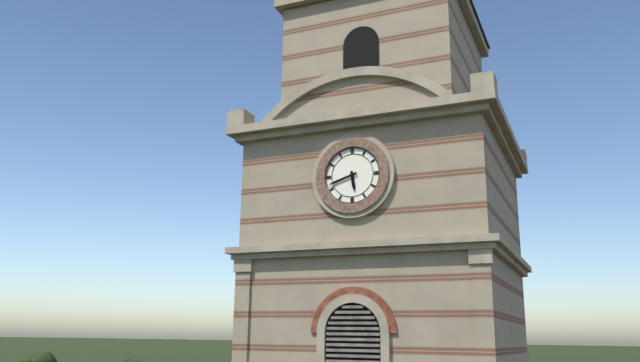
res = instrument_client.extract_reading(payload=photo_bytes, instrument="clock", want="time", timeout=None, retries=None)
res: 5:42
